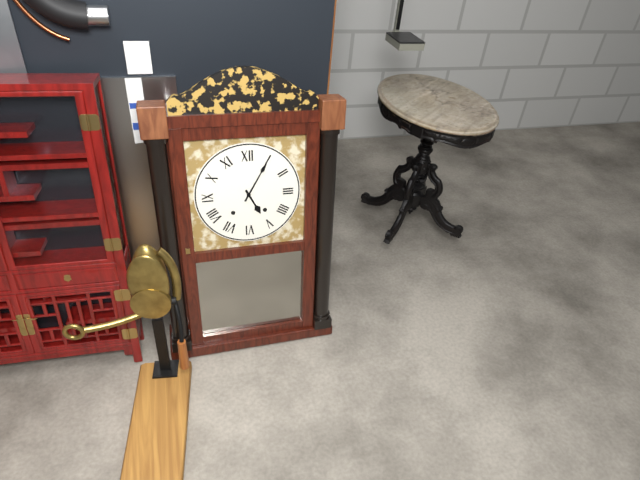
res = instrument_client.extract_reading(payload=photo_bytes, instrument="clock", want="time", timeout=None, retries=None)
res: 5:05
